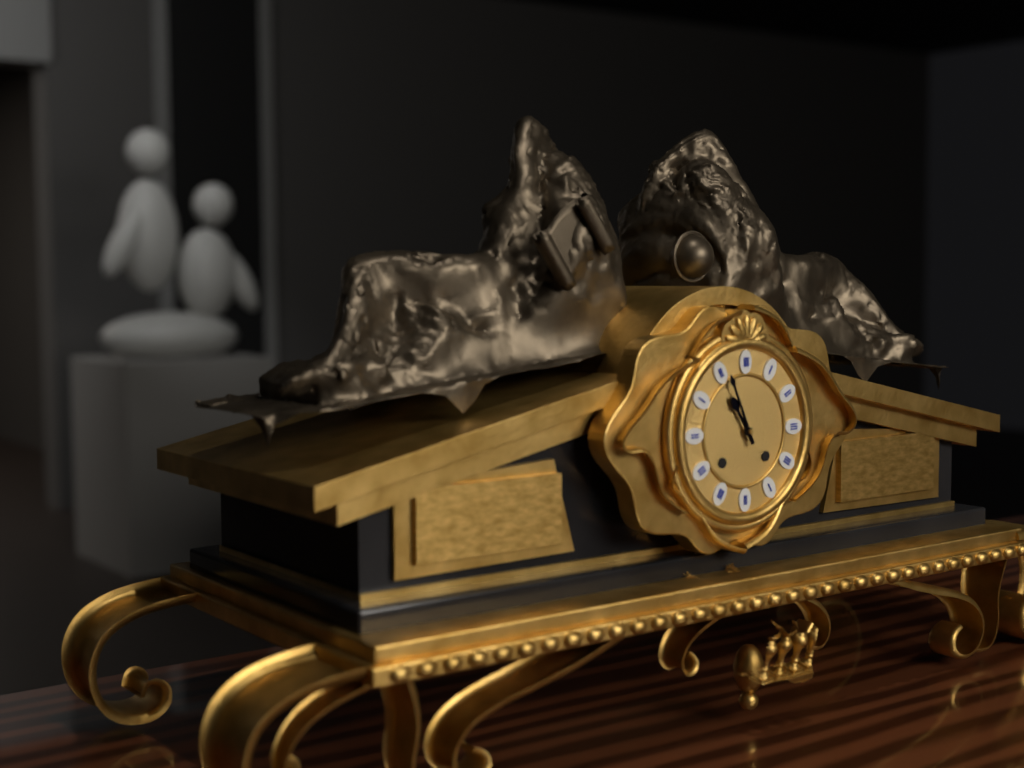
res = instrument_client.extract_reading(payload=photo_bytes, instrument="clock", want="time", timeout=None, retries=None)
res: 10:56
